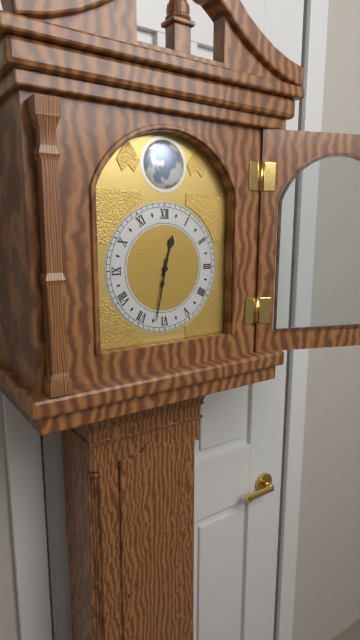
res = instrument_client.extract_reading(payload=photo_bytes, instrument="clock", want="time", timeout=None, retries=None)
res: 12:32
